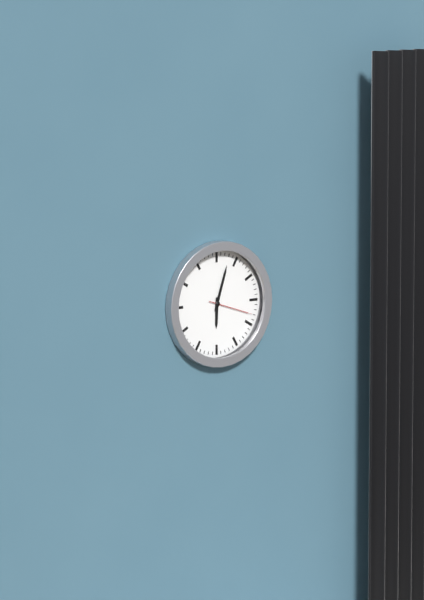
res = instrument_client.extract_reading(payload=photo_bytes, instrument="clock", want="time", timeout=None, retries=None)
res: 6:03
